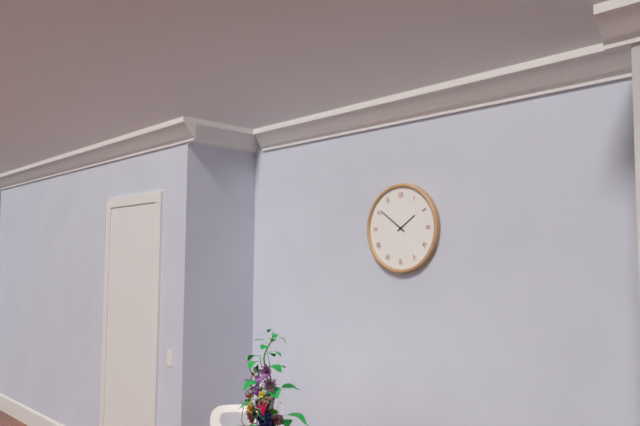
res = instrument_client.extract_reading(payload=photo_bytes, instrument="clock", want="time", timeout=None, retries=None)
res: 1:51
